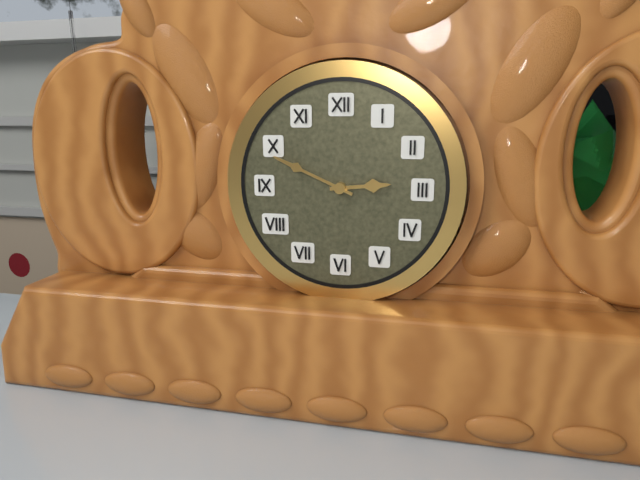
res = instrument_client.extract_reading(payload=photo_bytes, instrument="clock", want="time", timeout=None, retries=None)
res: 2:49
